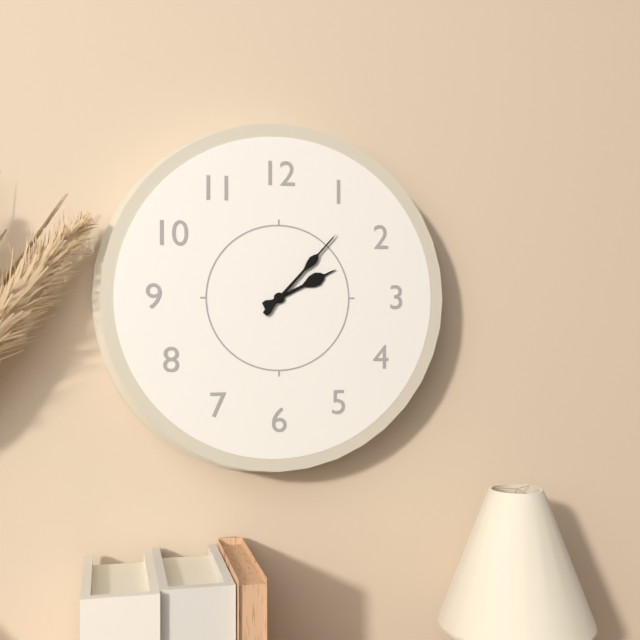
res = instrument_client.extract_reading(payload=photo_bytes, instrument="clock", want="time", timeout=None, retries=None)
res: 2:07
